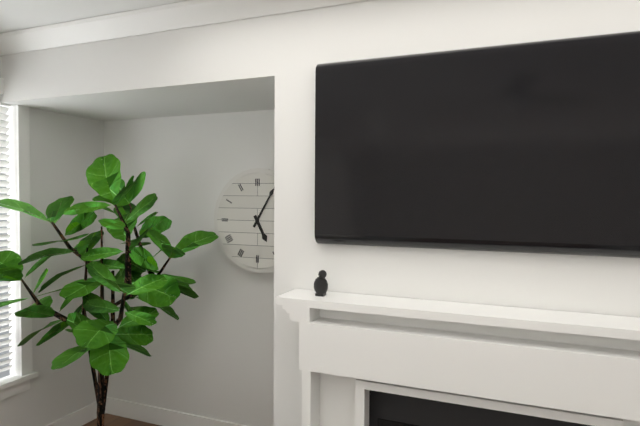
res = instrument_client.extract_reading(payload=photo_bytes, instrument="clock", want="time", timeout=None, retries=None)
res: 5:05
